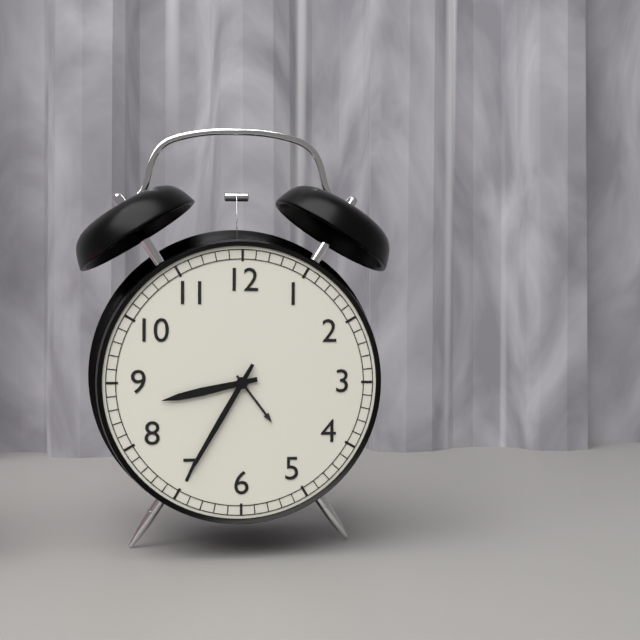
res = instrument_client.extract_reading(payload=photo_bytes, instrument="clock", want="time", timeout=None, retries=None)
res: 8:35
